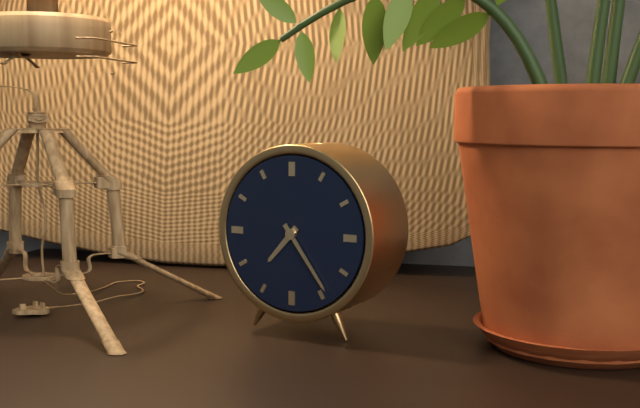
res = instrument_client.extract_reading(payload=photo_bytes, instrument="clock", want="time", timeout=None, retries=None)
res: 7:24
